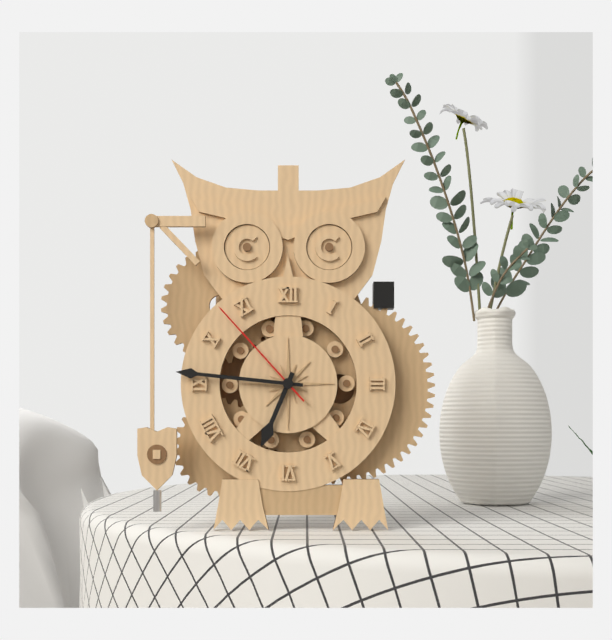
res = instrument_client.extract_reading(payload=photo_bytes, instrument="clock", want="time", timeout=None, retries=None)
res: 6:46:53
